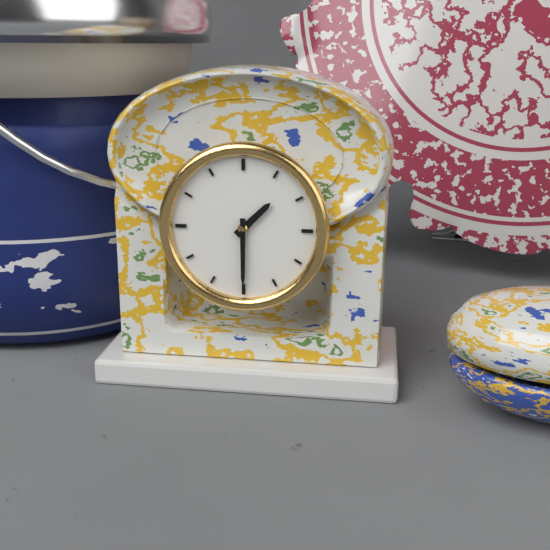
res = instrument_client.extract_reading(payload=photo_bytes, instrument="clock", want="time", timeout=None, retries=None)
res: 1:30
